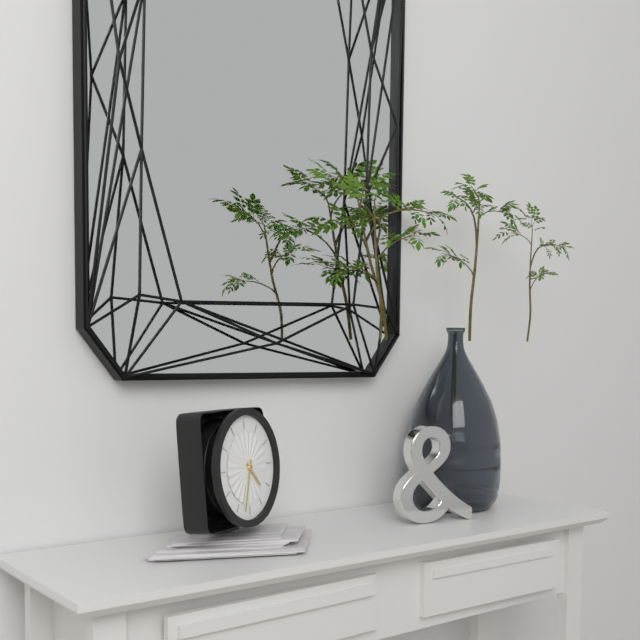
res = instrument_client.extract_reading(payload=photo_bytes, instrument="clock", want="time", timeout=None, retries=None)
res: 4:33
